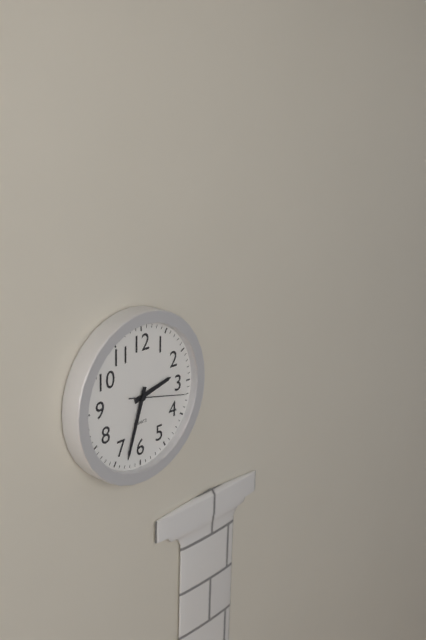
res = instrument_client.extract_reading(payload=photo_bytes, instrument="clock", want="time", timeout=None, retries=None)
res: 2:33:17
